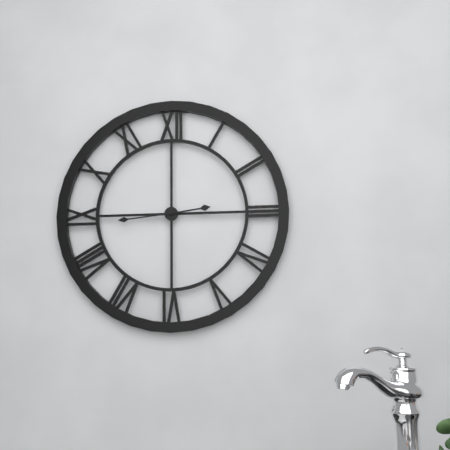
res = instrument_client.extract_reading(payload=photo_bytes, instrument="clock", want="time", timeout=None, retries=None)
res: 2:44
